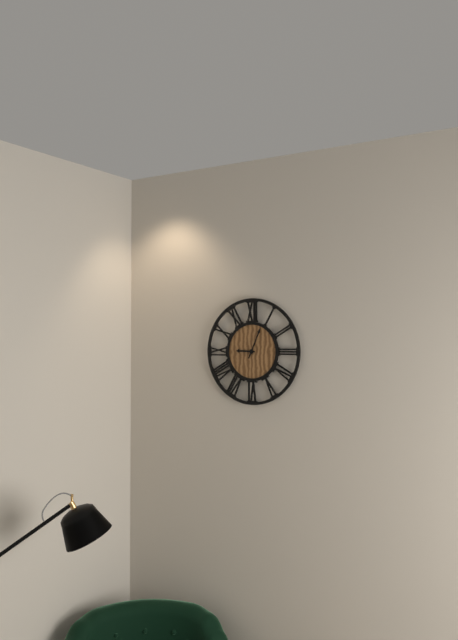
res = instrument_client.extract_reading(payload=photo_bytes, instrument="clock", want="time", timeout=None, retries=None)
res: 9:04
